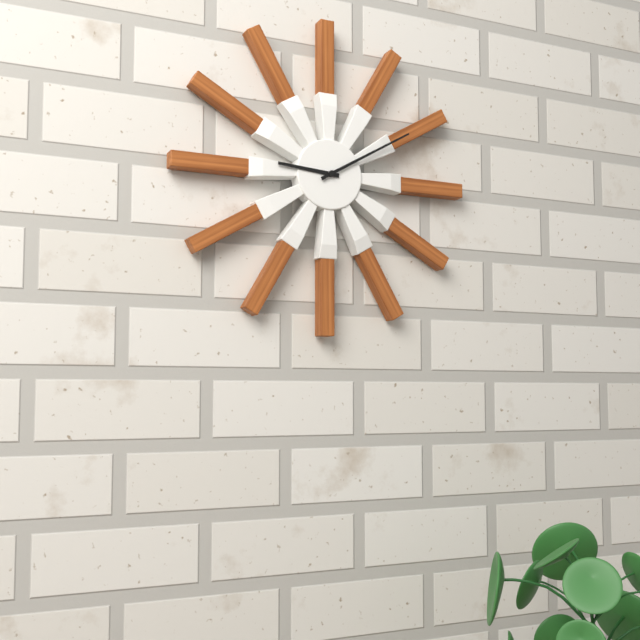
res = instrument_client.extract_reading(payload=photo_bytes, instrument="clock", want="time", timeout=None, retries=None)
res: 9:10
